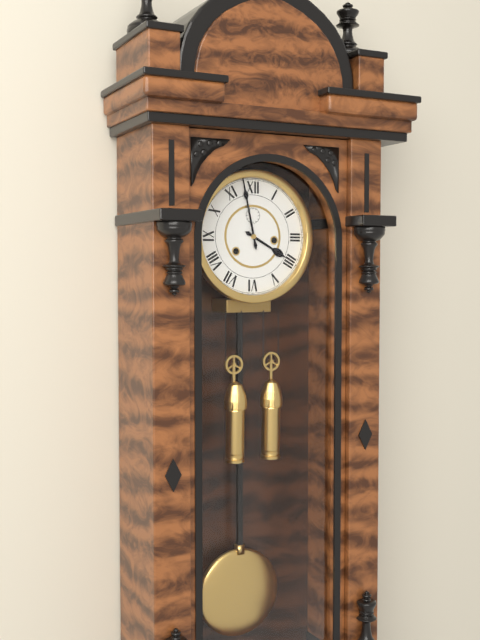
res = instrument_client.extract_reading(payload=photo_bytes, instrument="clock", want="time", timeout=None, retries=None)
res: 3:58
